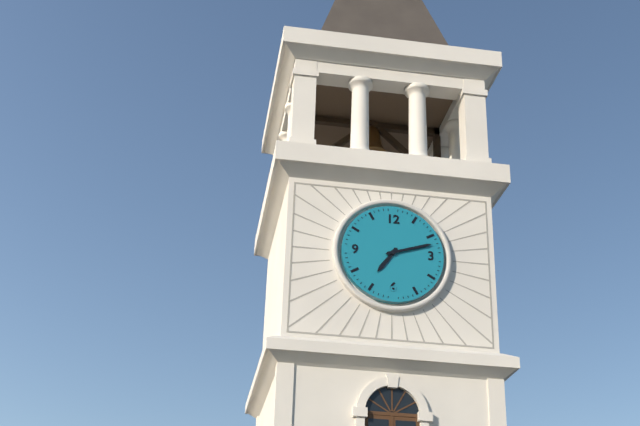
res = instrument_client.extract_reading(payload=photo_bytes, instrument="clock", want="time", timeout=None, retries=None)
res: 7:12
